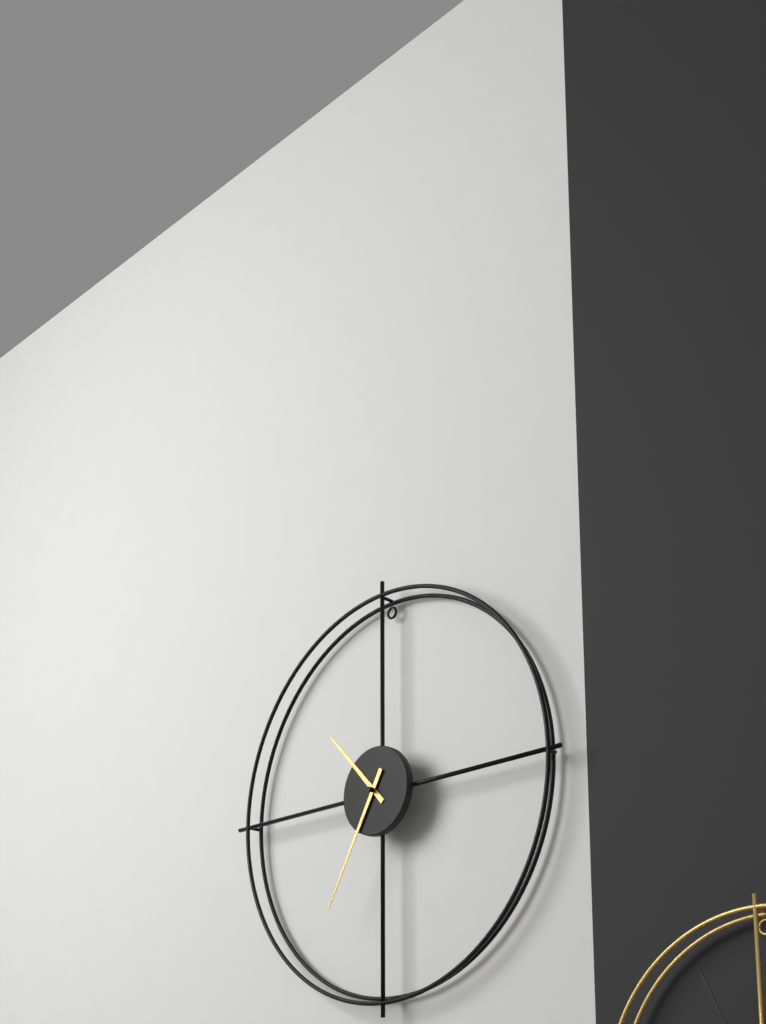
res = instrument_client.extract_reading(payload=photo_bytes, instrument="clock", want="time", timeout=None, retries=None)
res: 10:35
